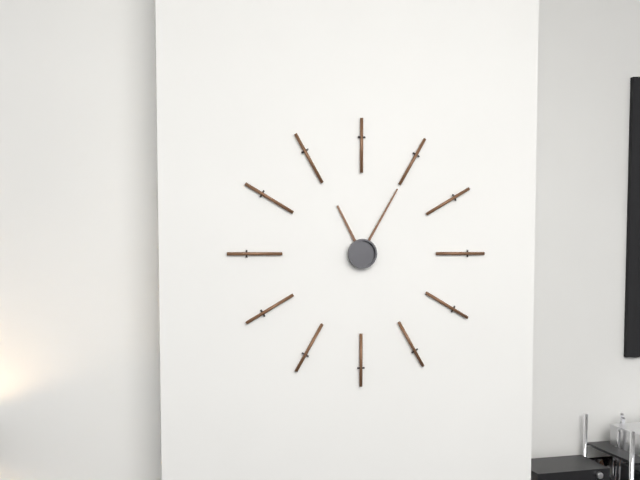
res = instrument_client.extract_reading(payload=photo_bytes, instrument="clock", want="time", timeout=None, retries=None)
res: 11:05
